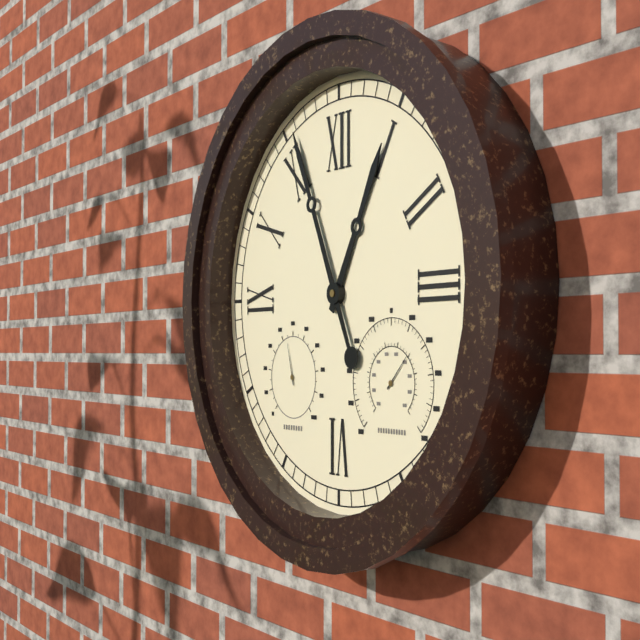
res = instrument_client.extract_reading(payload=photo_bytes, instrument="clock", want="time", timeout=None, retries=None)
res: 12:56
